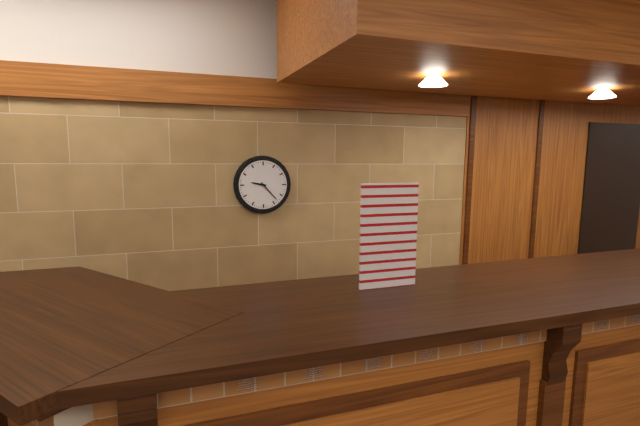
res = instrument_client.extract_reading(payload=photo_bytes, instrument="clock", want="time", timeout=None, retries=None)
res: 9:23
